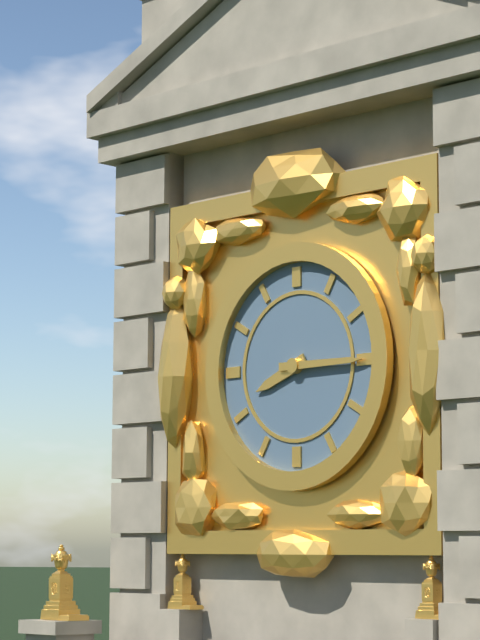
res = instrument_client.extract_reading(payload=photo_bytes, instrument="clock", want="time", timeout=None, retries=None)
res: 8:15
